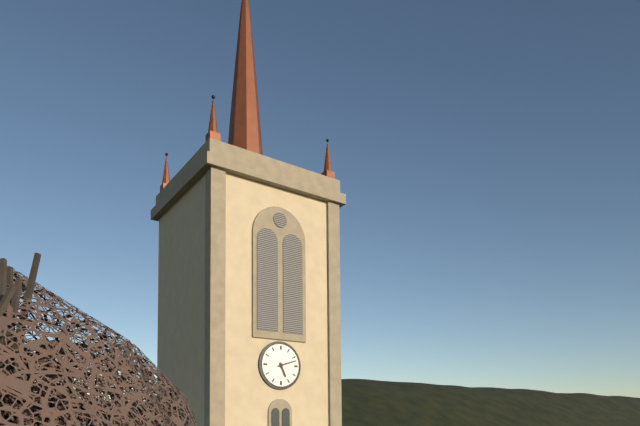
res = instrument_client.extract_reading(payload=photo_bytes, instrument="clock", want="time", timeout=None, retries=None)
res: 5:12
